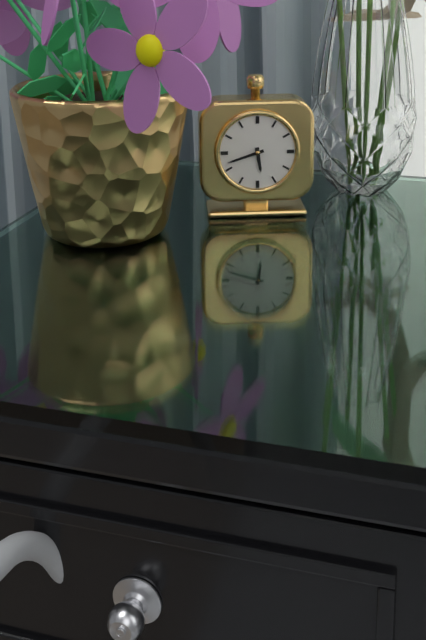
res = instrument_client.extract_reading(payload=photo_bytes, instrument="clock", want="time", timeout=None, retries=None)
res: 5:42
